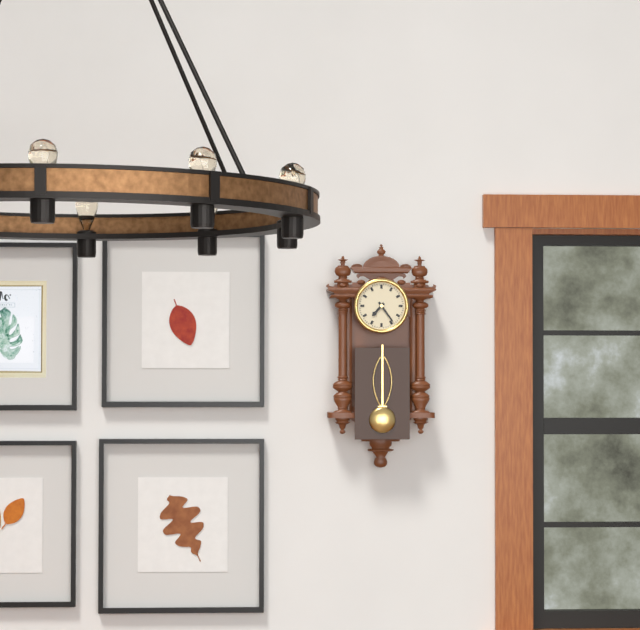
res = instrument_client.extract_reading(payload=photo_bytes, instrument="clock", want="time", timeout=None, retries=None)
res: 7:24
